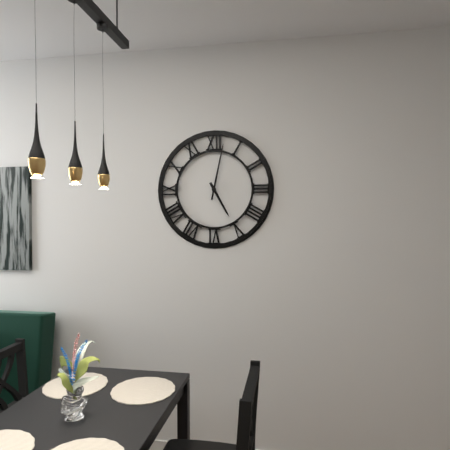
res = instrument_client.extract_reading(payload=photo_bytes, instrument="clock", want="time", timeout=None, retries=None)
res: 5:02
